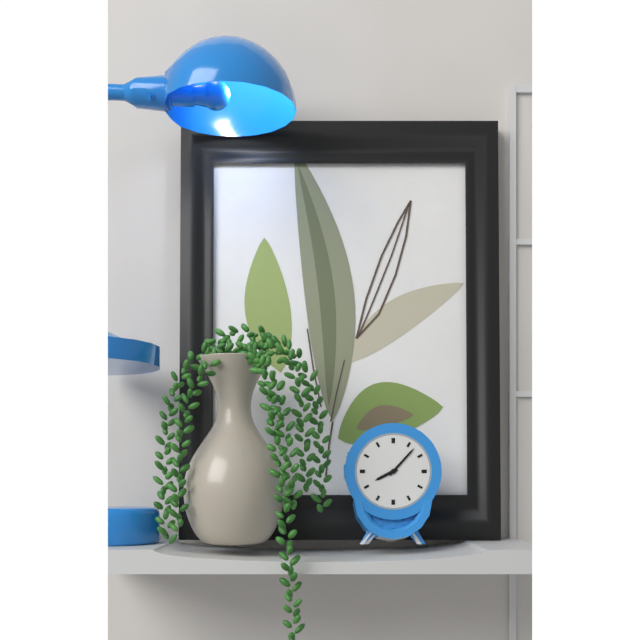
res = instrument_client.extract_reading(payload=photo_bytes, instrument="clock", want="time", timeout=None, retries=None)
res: 8:07
